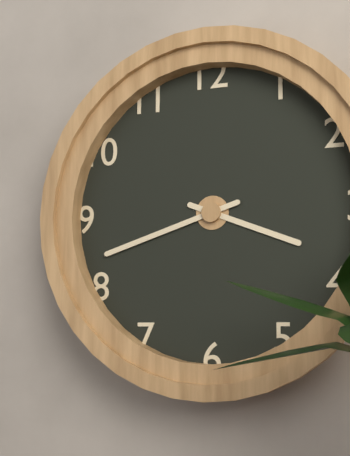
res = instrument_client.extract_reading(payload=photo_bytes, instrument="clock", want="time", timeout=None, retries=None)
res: 3:42
